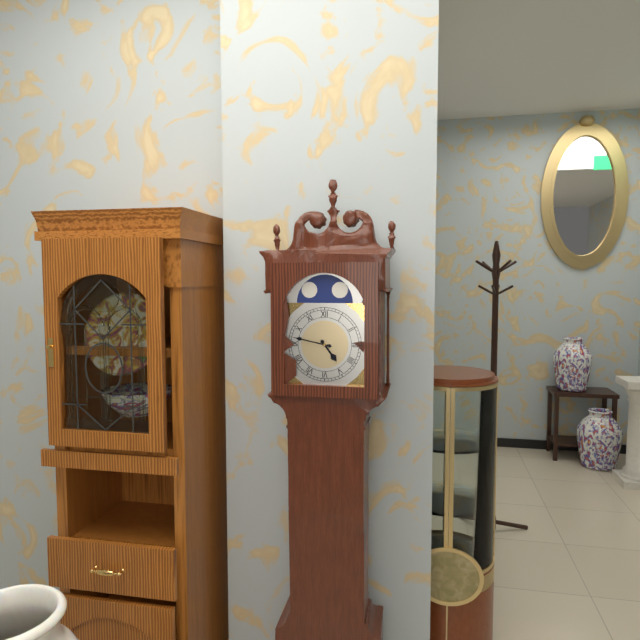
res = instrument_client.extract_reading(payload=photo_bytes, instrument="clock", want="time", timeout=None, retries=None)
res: 4:47
